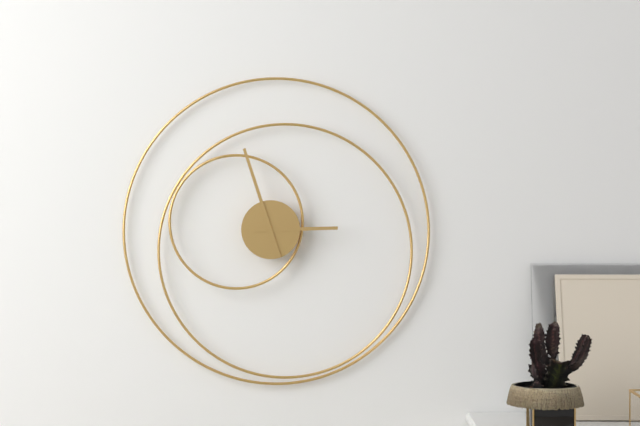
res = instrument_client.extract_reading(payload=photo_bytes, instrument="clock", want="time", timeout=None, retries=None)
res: 2:57
